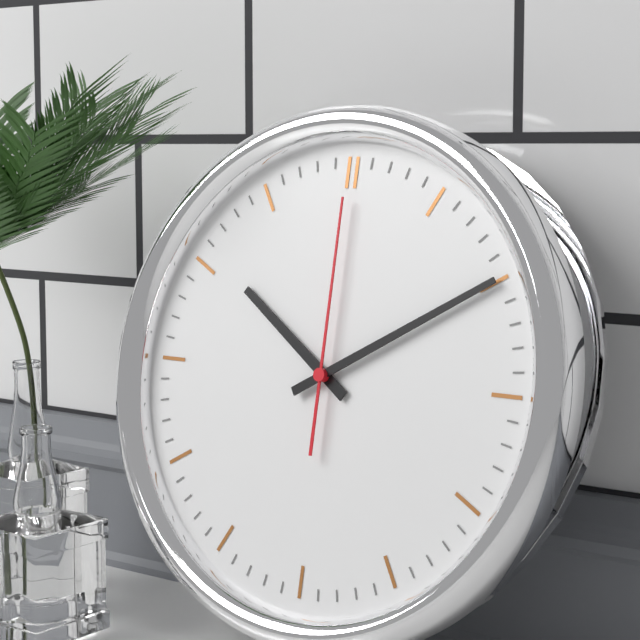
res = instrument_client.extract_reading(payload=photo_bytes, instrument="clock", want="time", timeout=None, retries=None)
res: 10:10:00
